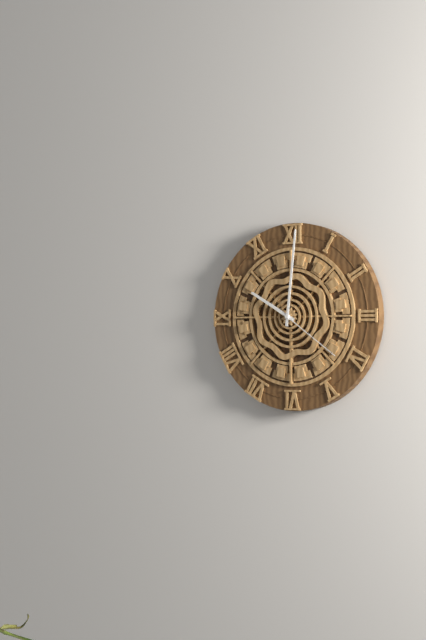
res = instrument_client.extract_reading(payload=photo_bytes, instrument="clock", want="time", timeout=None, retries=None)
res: 10:01:21
